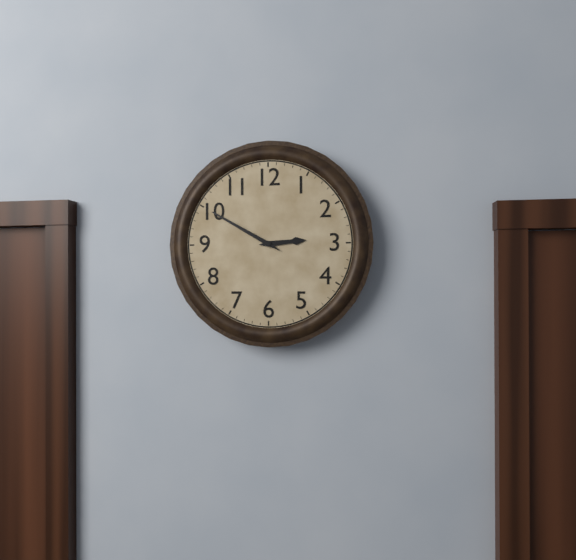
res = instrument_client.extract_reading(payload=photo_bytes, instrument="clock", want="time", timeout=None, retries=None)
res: 2:50
